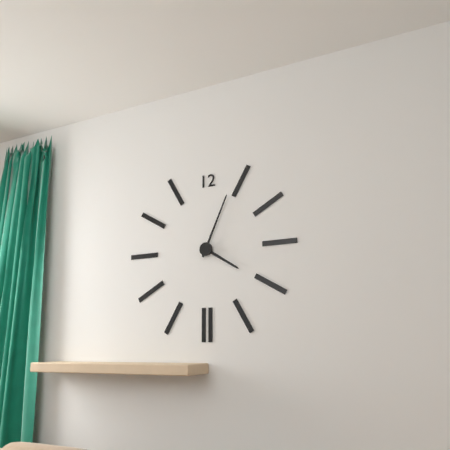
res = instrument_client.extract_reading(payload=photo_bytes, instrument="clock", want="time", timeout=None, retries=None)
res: 4:04
